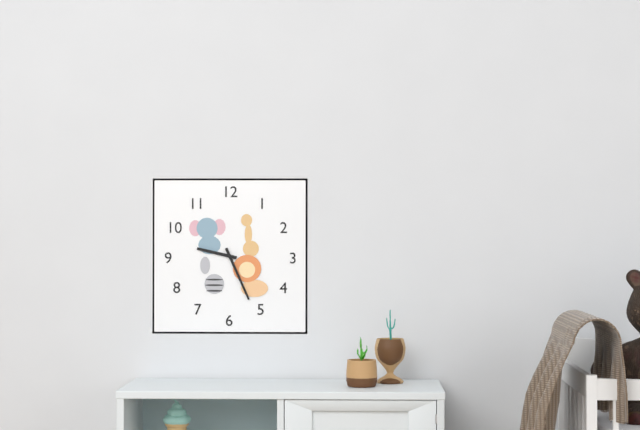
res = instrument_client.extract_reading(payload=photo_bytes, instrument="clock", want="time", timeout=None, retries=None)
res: 9:26
